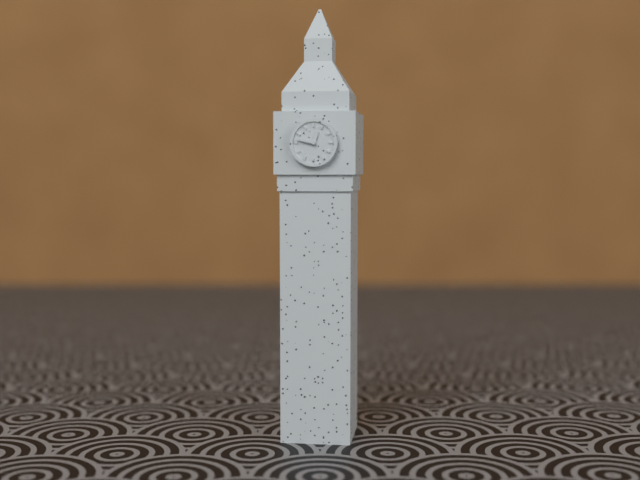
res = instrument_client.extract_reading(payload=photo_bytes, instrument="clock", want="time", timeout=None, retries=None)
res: 12:47
